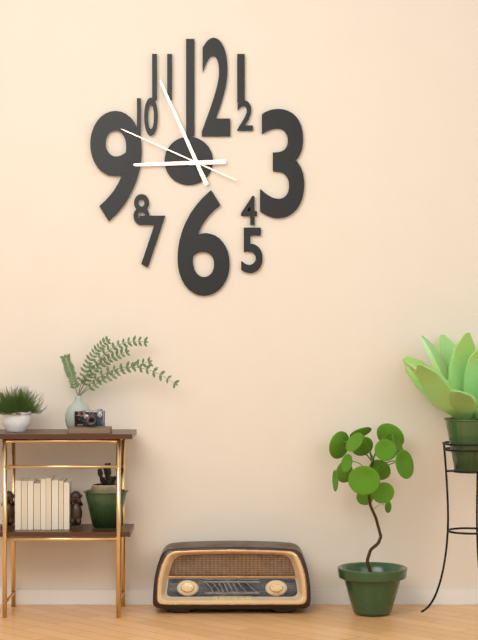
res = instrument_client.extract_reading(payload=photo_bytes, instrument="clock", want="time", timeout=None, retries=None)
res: 8:56:49
